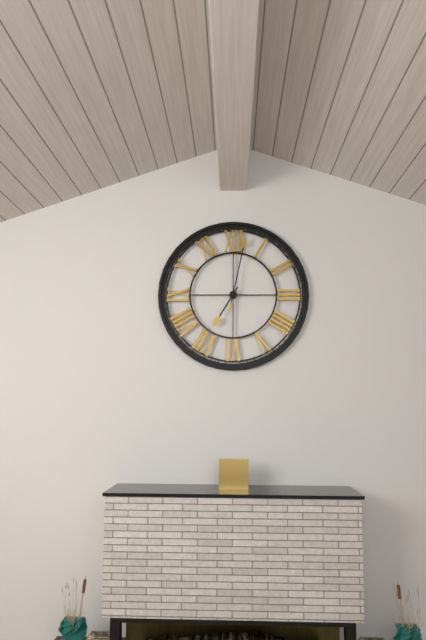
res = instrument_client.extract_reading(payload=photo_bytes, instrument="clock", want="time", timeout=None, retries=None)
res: 7:02
